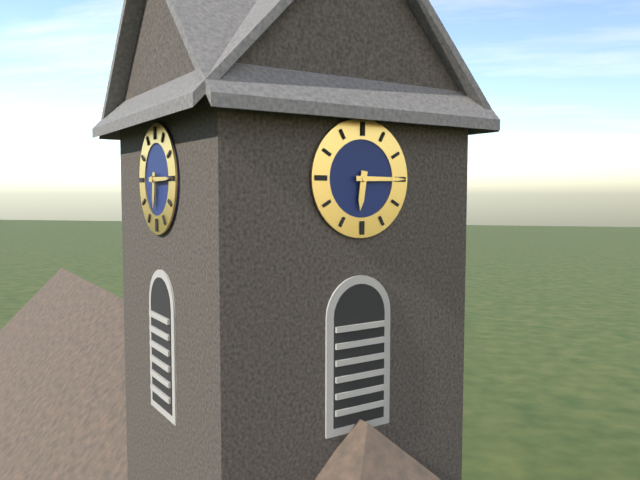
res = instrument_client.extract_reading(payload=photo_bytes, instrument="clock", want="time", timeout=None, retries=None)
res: 6:15
